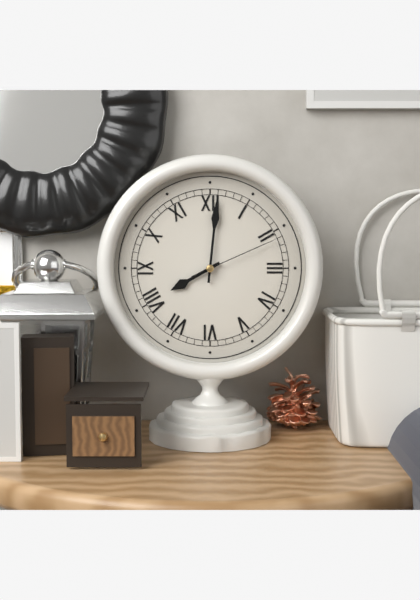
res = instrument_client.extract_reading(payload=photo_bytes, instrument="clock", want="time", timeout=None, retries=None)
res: 8:01:11
